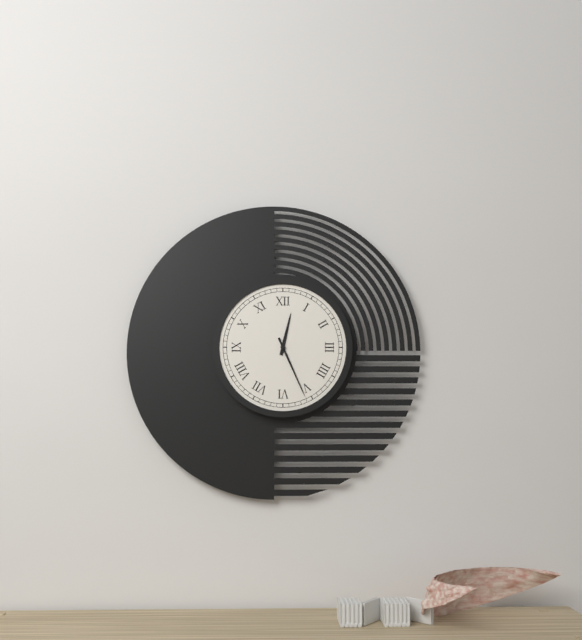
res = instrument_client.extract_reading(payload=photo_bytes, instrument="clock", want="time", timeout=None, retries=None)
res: 12:26
